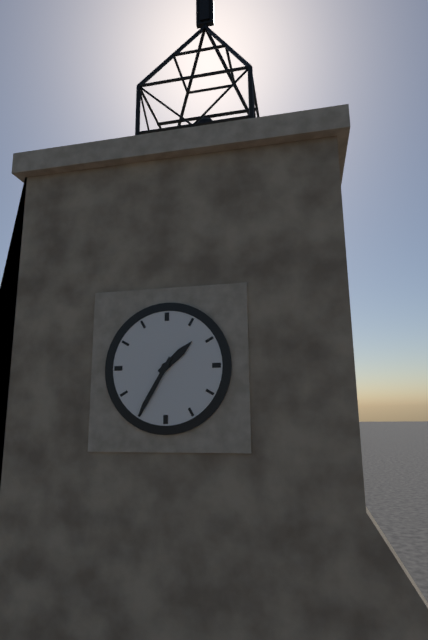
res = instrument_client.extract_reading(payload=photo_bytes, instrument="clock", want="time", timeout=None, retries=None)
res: 1:35
